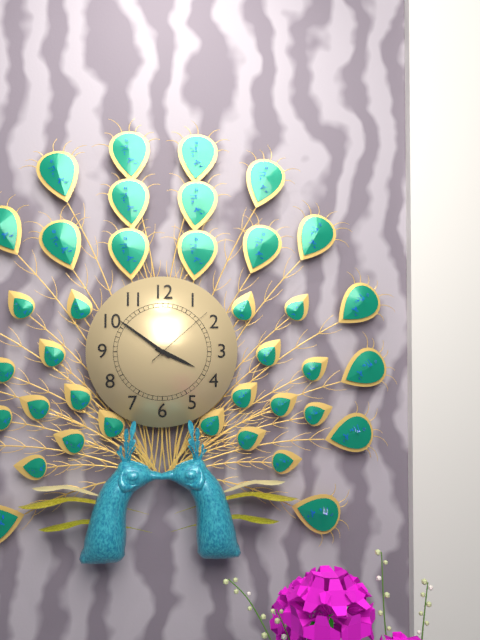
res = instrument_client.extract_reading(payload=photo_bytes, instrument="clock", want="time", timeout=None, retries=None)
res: 3:51:08
